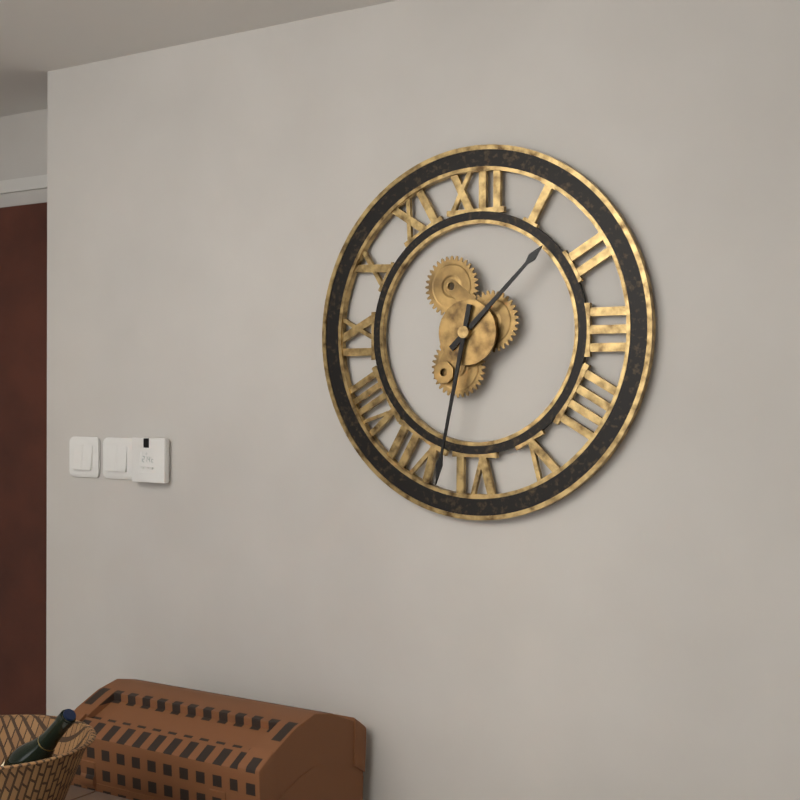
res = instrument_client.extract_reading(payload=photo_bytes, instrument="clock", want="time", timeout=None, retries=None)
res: 1:32
